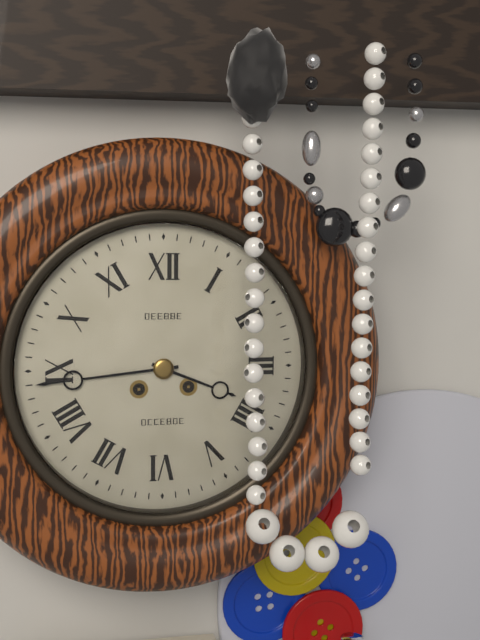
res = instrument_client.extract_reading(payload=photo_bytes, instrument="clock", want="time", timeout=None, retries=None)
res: 3:44
